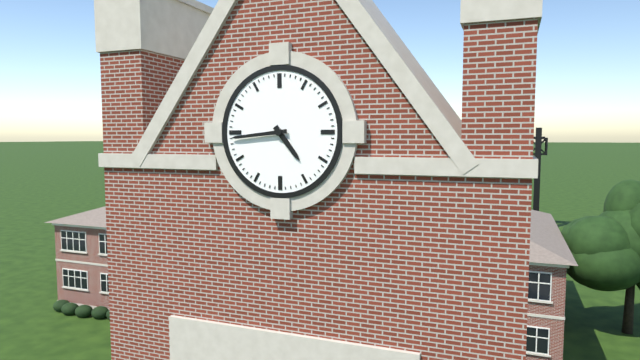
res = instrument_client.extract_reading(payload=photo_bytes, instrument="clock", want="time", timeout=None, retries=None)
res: 4:44
